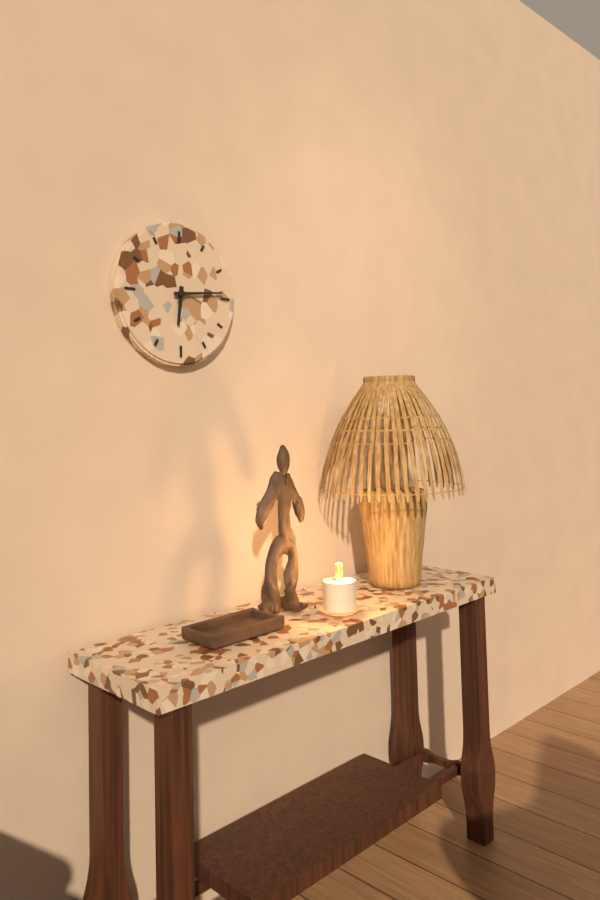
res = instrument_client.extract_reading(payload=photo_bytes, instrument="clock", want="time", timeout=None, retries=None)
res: 6:14
